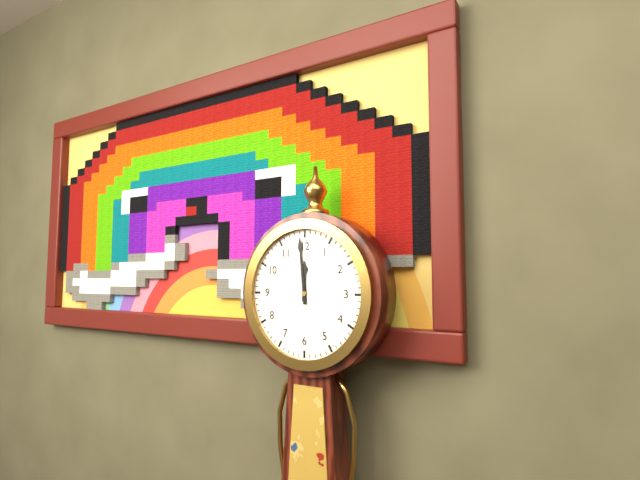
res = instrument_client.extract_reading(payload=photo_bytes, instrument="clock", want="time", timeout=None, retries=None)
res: 11:59
